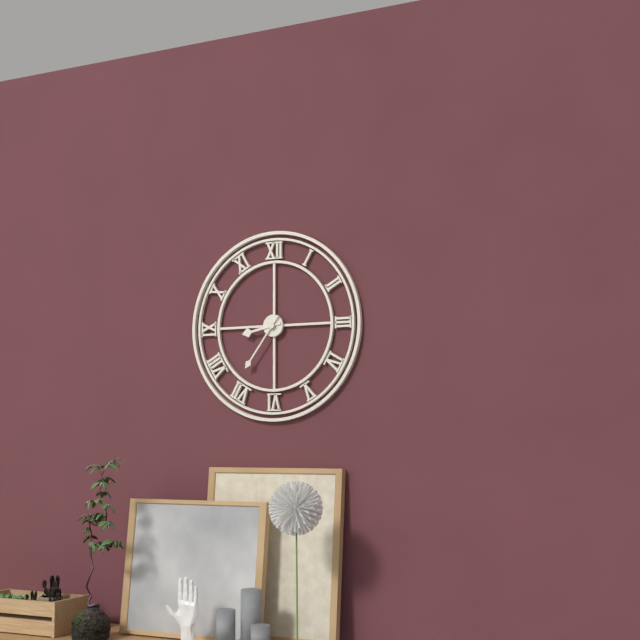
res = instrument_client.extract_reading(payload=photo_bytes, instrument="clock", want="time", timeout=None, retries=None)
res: 8:36
